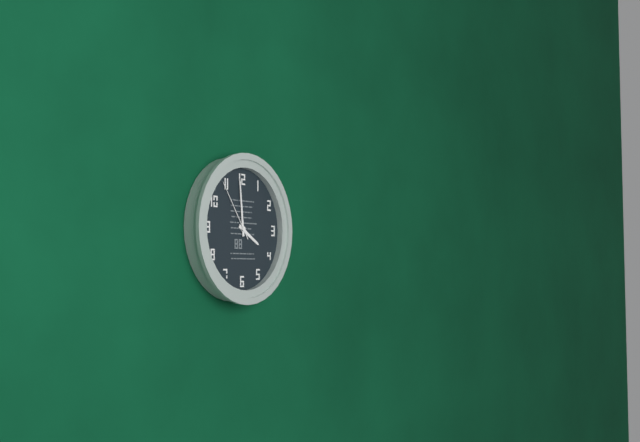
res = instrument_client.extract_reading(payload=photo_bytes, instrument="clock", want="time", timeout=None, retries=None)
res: 3:59:54
